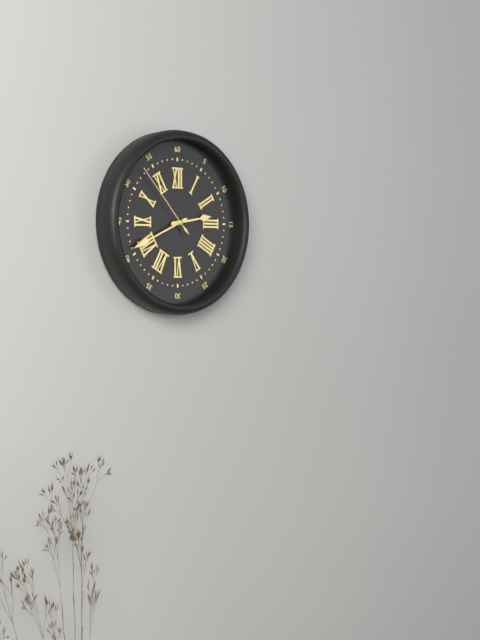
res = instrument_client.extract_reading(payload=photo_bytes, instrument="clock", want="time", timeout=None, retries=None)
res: 2:41:53
